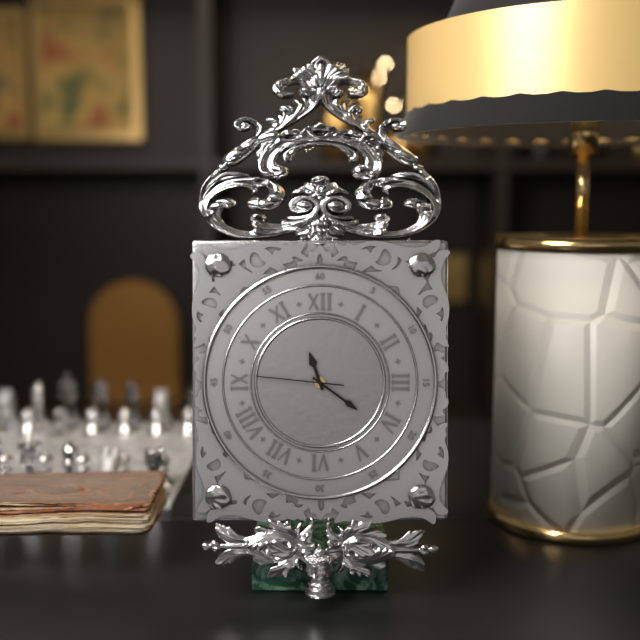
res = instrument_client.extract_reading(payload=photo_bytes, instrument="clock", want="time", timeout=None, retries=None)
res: 11:21:46
